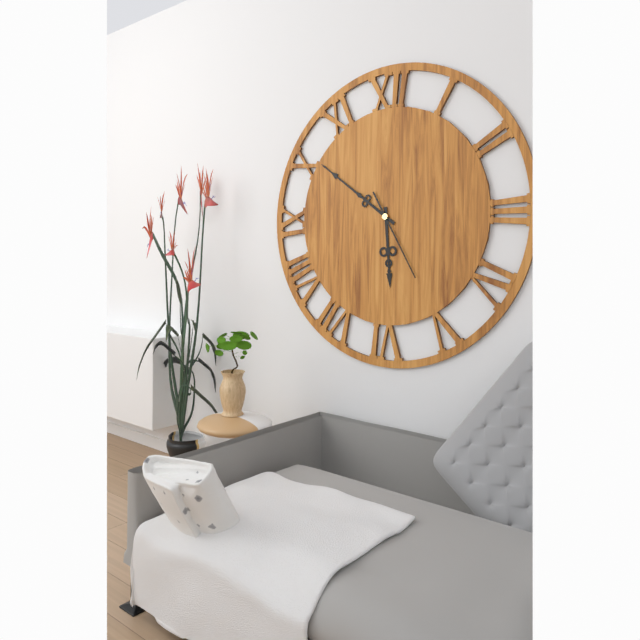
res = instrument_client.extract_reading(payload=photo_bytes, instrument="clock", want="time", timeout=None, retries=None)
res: 5:51:25
